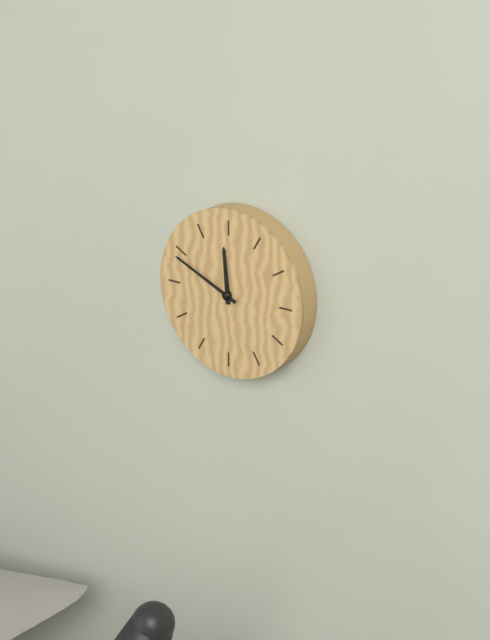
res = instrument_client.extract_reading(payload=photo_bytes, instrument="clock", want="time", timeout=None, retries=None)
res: 11:49
